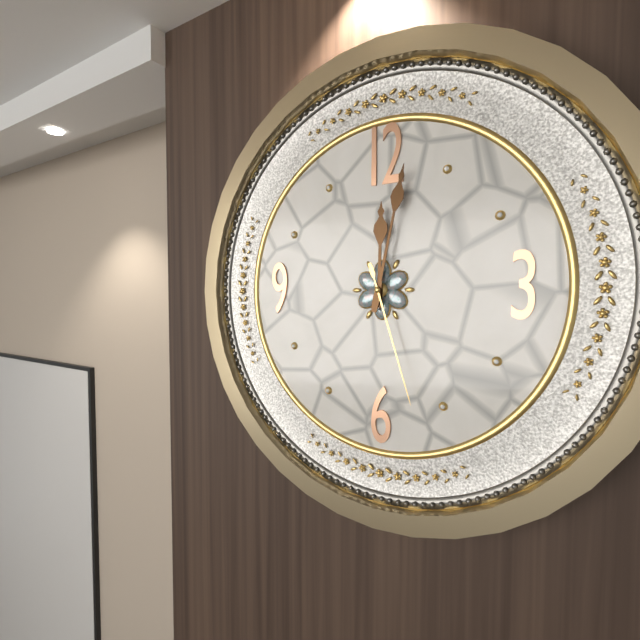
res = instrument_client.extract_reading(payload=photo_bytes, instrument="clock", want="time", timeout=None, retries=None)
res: 12:02:27
